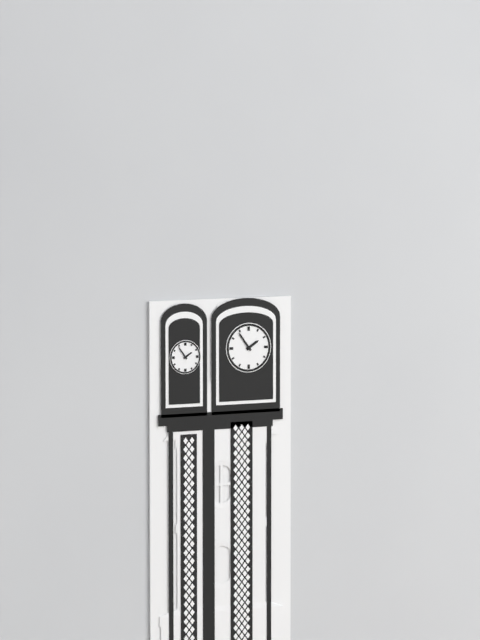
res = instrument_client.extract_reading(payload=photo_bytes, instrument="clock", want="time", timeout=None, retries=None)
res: 1:54
